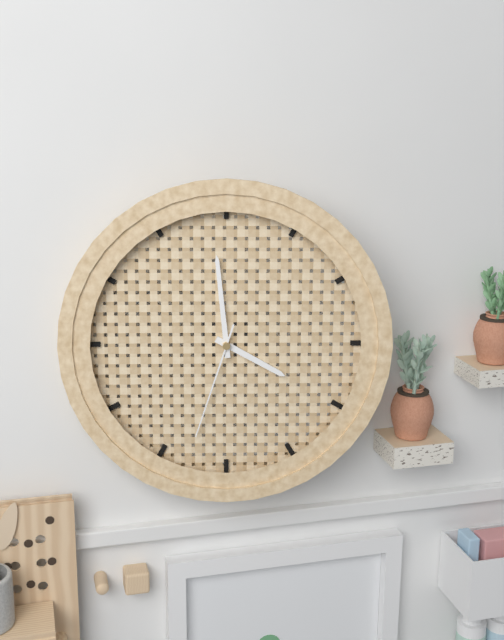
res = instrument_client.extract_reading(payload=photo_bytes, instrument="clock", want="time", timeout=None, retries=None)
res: 3:59:33
